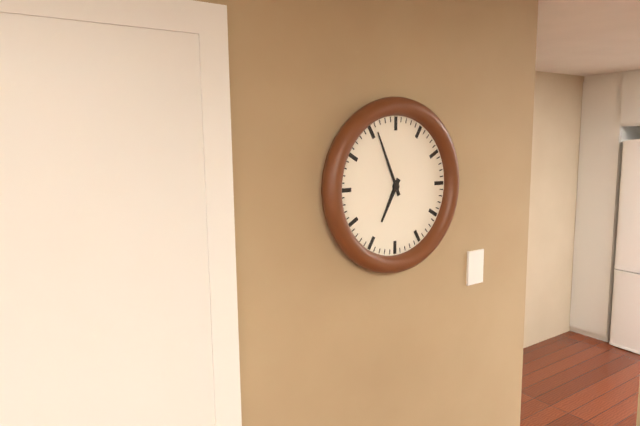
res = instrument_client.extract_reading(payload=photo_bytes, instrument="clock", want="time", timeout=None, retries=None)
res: 6:56
